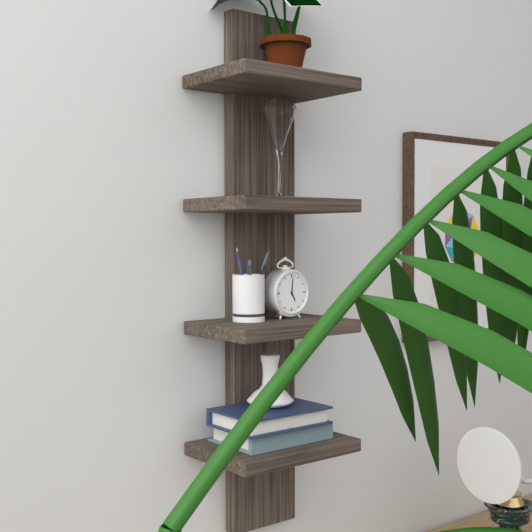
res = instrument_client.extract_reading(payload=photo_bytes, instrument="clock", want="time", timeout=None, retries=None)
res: 5:01
